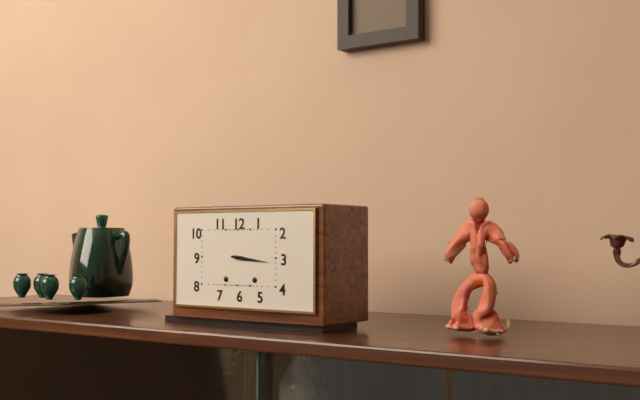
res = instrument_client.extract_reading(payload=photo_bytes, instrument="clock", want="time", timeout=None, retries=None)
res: 3:16
